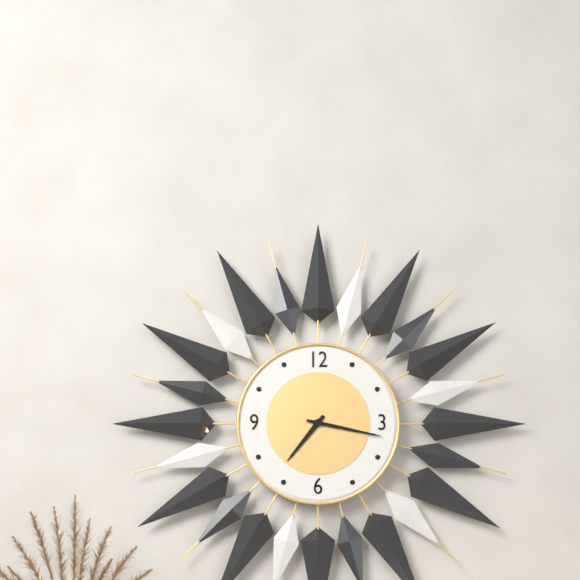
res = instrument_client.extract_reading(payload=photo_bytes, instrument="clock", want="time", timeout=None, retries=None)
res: 7:17
